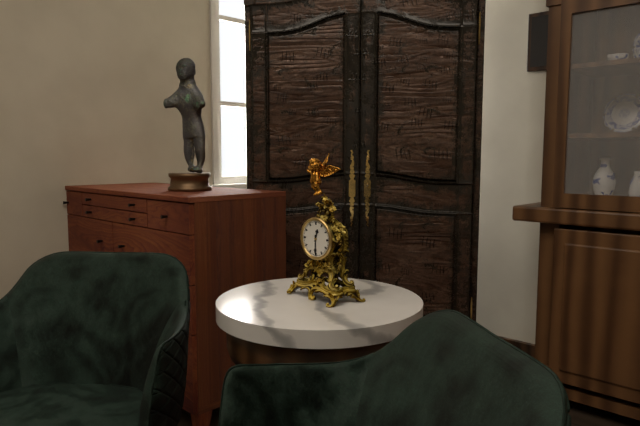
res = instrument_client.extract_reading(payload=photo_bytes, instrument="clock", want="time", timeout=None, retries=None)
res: 12:30
